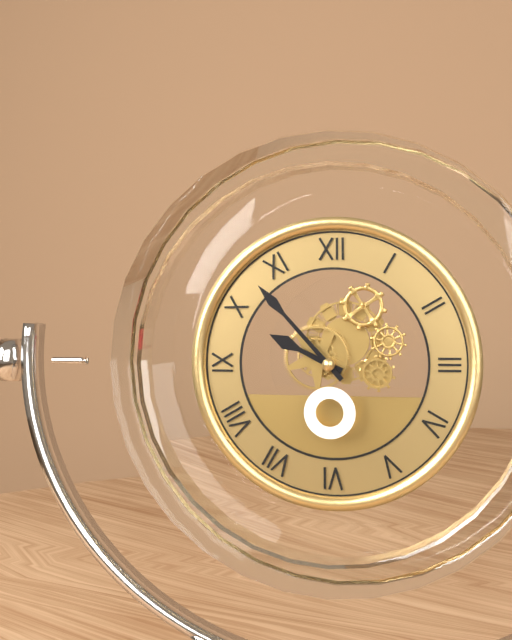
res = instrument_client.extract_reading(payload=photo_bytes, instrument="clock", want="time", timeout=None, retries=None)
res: 9:53
